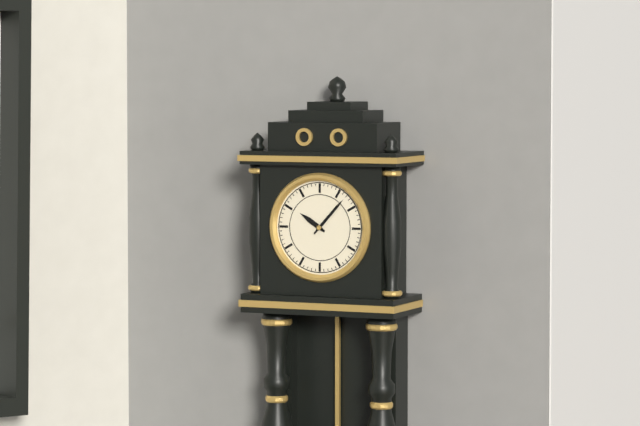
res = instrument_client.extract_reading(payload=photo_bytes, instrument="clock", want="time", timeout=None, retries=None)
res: 10:07
